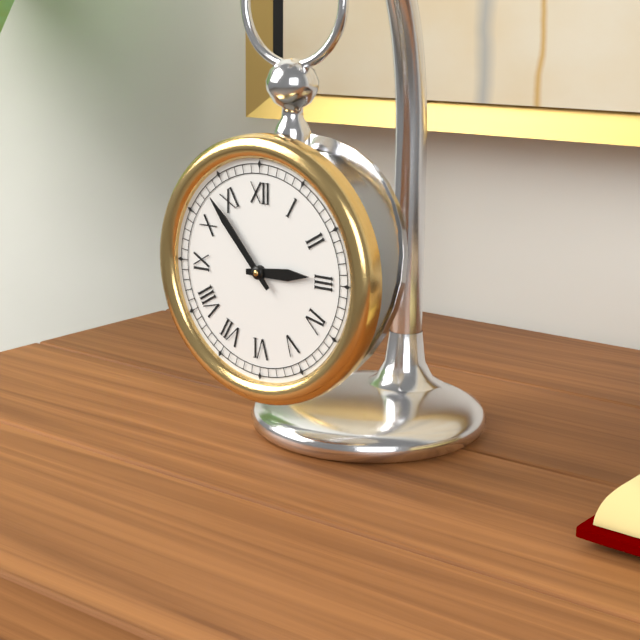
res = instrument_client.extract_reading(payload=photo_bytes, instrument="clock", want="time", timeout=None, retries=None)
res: 2:53
